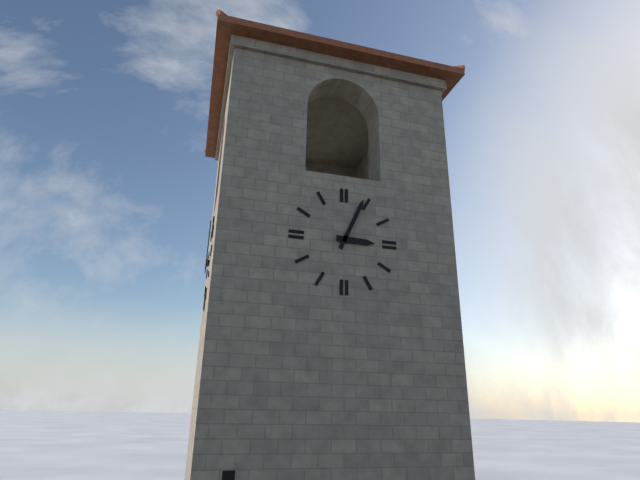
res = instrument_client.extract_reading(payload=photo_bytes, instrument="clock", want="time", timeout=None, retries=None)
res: 3:04
